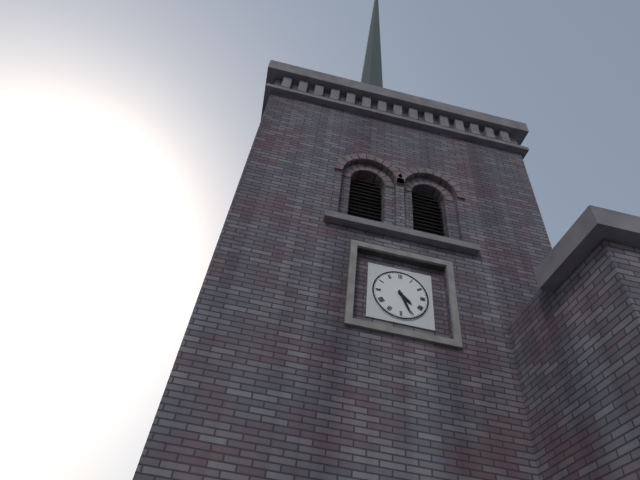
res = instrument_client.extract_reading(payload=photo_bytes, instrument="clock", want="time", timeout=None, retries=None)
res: 4:26
